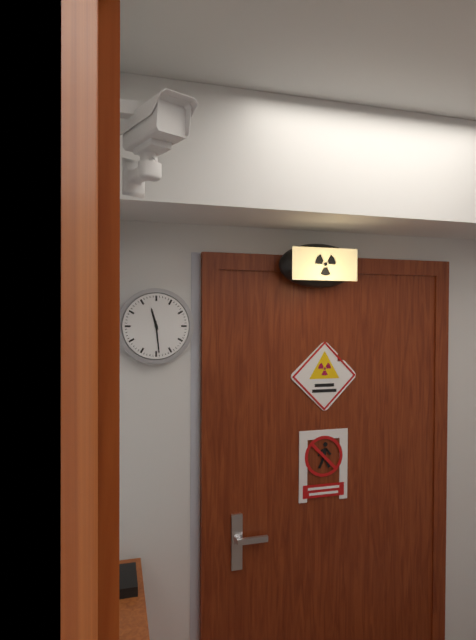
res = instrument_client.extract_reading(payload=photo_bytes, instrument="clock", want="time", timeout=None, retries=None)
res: 11:29
